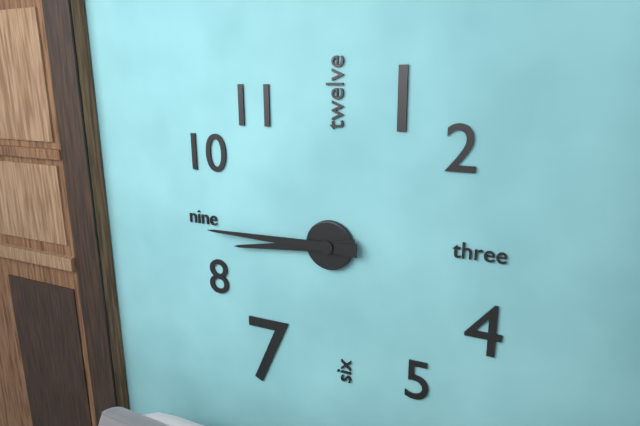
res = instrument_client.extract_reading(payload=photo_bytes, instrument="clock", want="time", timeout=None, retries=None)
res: 8:45
